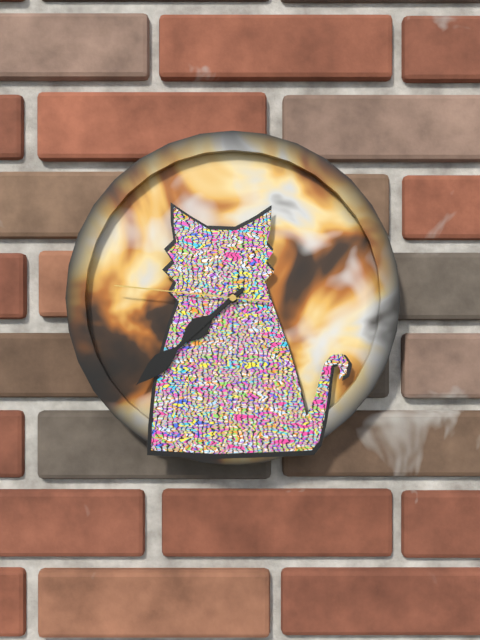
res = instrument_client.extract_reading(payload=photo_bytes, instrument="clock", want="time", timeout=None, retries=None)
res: 7:38:46
